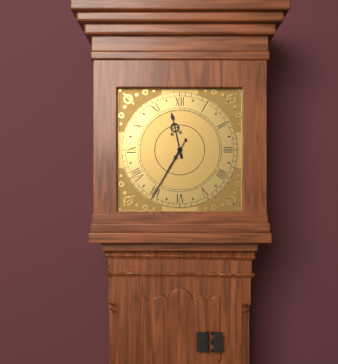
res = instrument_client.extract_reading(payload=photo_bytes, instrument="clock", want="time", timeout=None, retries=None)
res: 11:35
